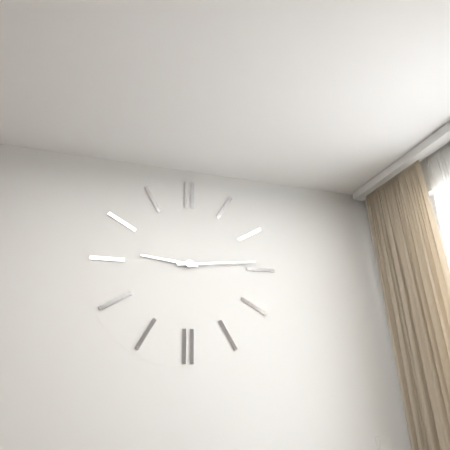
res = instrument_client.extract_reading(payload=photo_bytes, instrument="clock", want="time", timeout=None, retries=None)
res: 9:14
